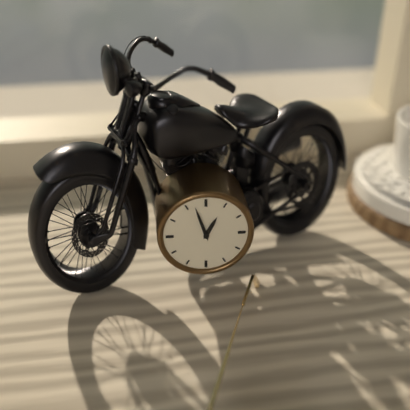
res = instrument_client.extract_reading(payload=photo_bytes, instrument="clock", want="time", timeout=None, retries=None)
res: 12:57
